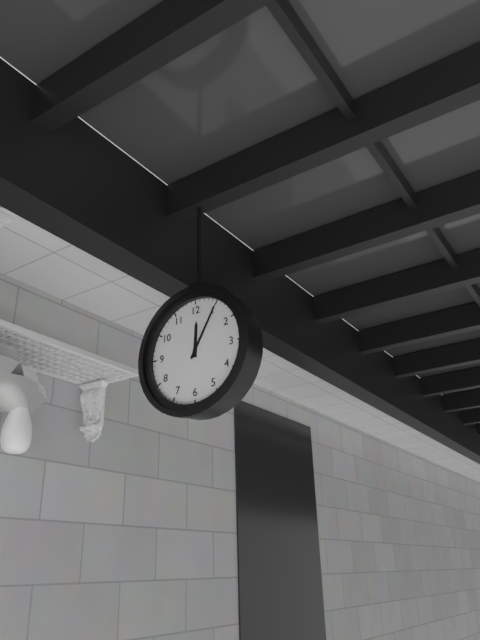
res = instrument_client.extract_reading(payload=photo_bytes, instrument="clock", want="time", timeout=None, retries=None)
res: 12:05
